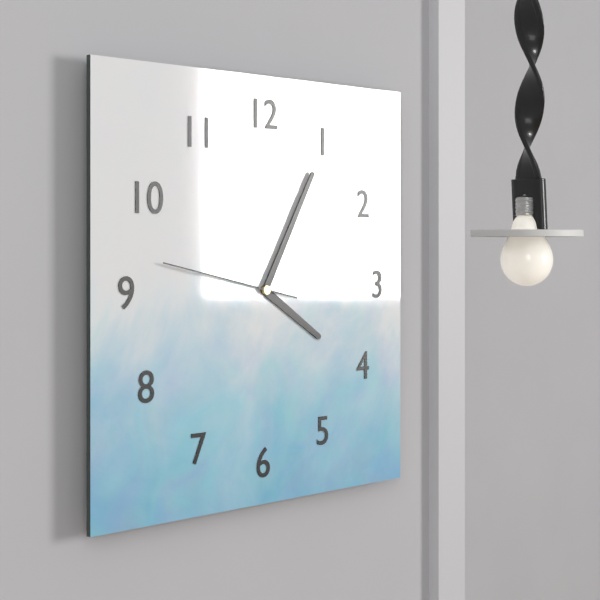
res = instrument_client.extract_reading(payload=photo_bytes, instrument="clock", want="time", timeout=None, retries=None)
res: 4:05:47
